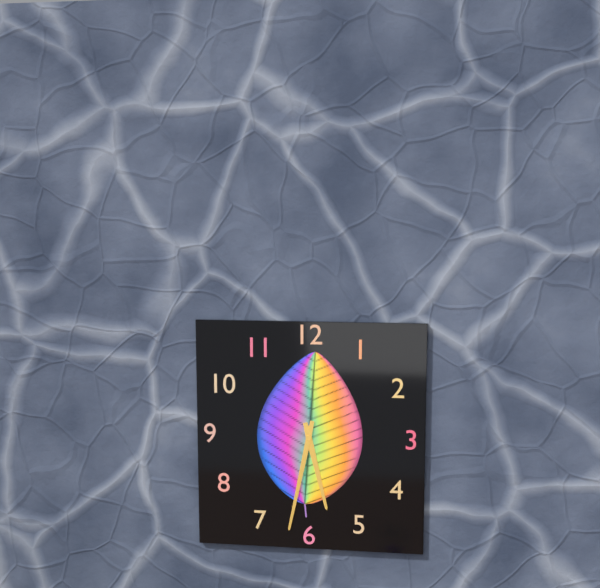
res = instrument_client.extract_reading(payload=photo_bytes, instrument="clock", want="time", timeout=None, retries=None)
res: 5:32
